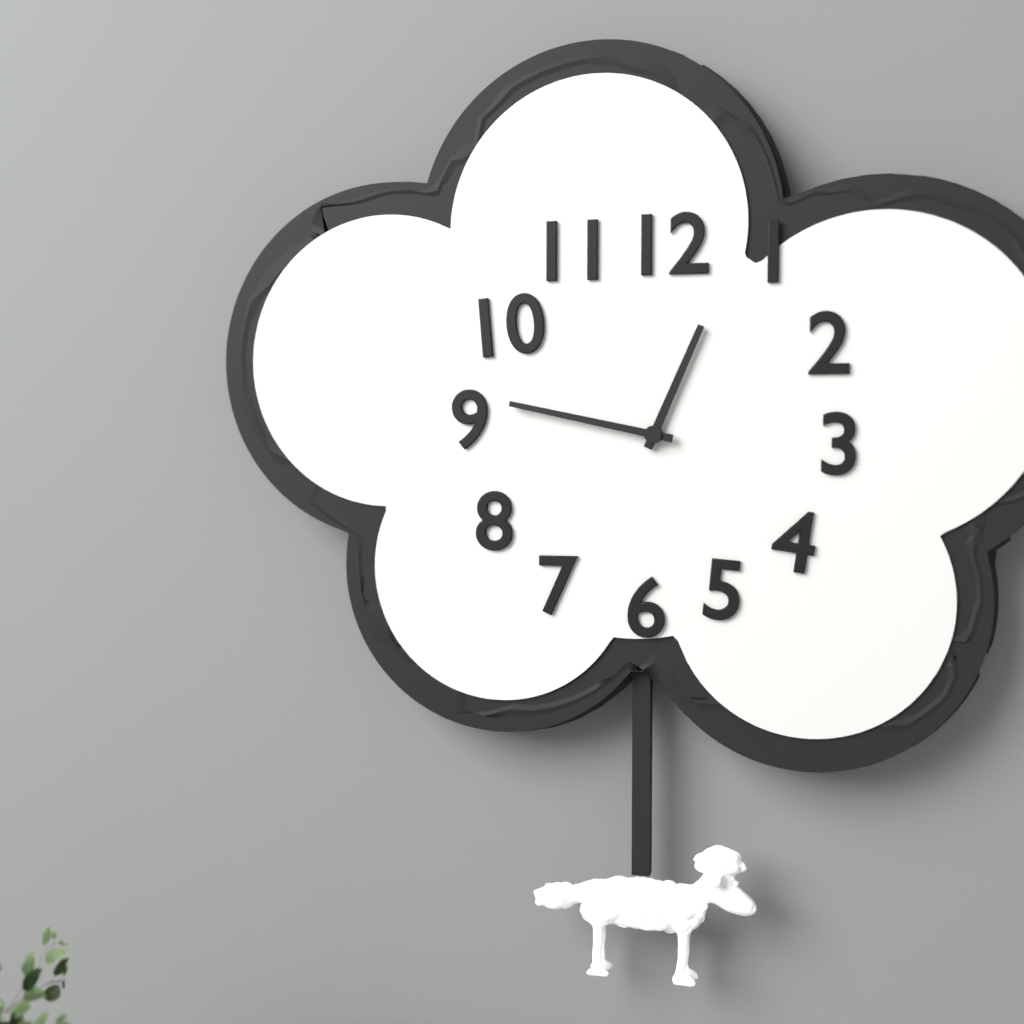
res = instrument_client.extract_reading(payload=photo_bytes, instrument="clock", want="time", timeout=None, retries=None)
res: 12:47
